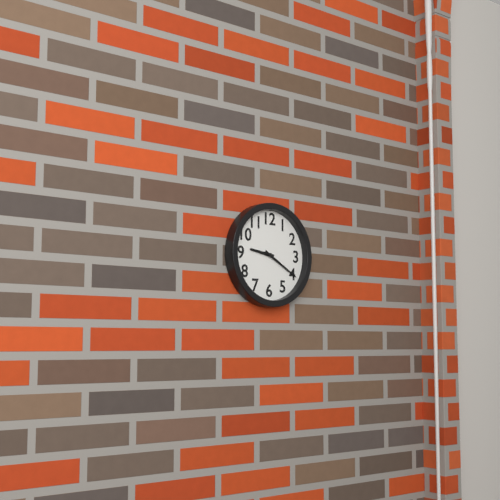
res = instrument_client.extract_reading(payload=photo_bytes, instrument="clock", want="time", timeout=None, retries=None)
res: 9:20
